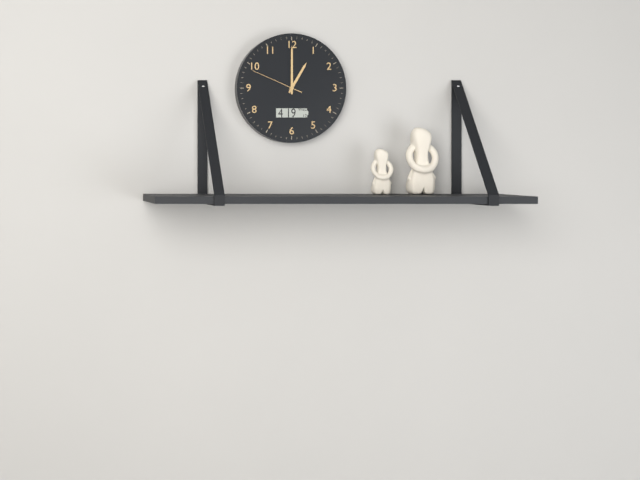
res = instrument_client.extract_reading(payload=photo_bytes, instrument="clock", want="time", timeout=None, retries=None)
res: 1:00:49
